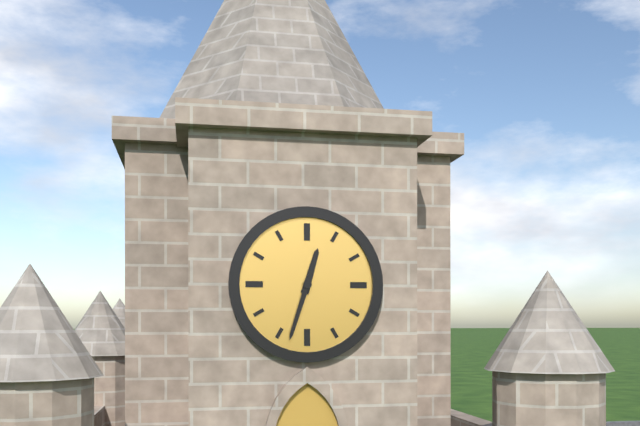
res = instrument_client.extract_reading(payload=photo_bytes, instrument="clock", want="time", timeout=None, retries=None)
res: 12:33
